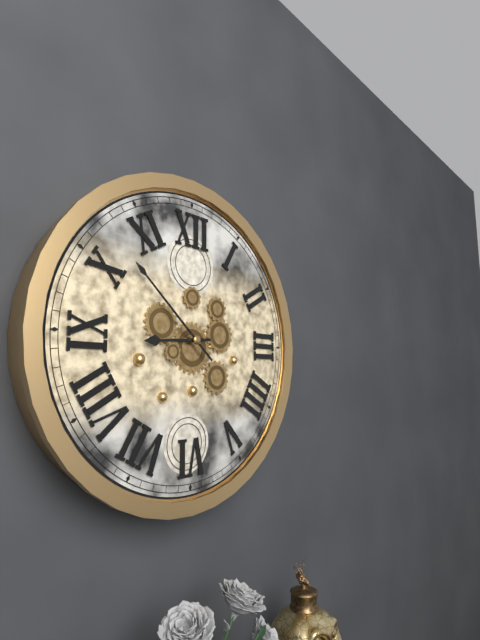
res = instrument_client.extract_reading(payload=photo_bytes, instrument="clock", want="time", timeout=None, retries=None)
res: 8:52
